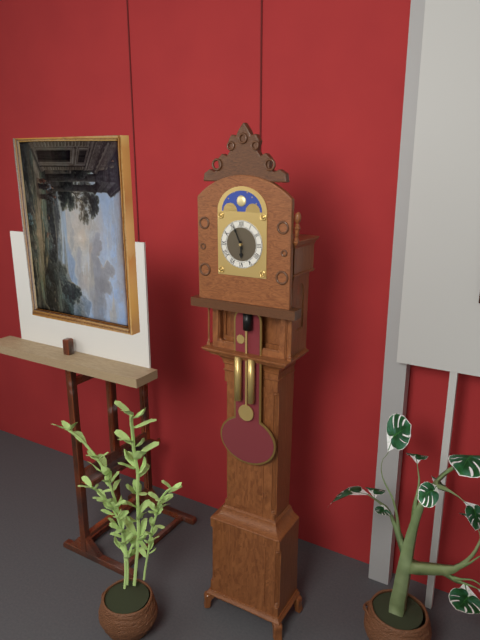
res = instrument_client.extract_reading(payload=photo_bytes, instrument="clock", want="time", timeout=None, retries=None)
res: 5:56
